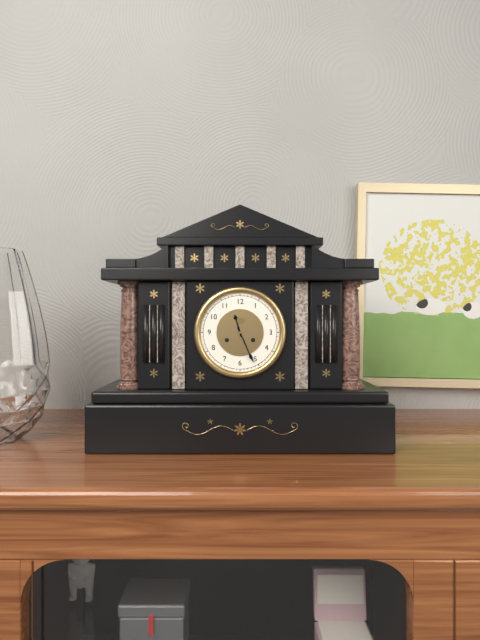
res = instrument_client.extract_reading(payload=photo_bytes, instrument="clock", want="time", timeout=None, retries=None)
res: 11:26
